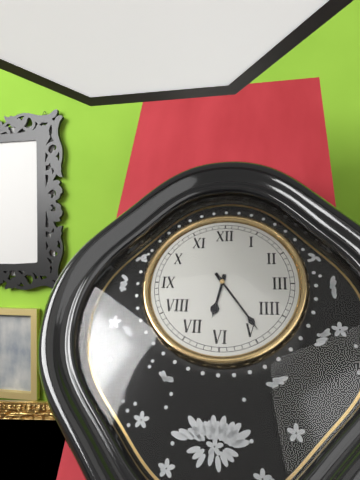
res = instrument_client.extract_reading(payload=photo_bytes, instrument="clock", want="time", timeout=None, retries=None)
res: 6:24
